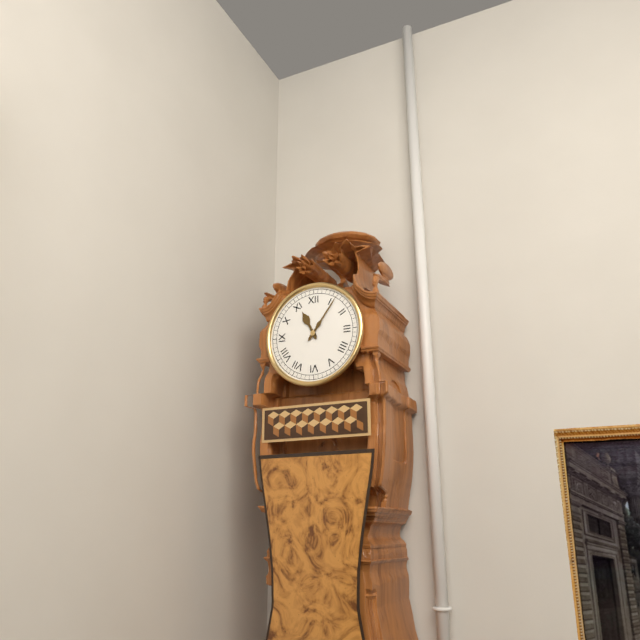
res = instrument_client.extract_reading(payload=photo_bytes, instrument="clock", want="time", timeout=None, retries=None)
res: 11:06
